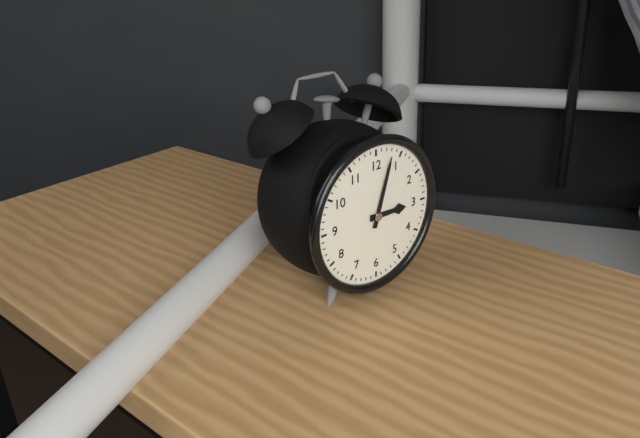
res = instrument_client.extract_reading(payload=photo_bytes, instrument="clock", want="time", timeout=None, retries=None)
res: 3:03
